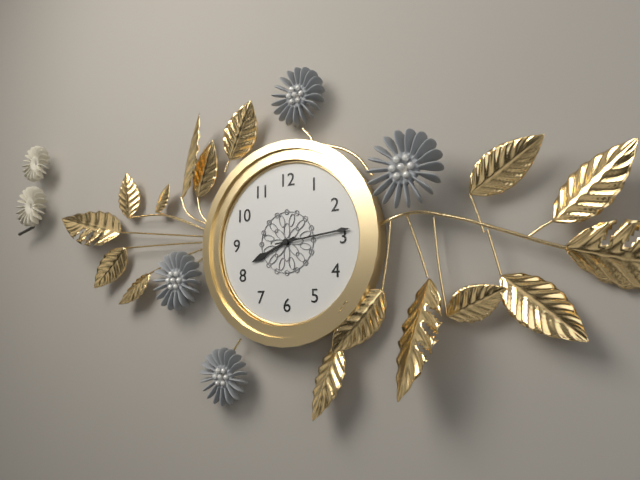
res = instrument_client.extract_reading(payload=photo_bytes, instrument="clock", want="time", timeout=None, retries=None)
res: 8:14
